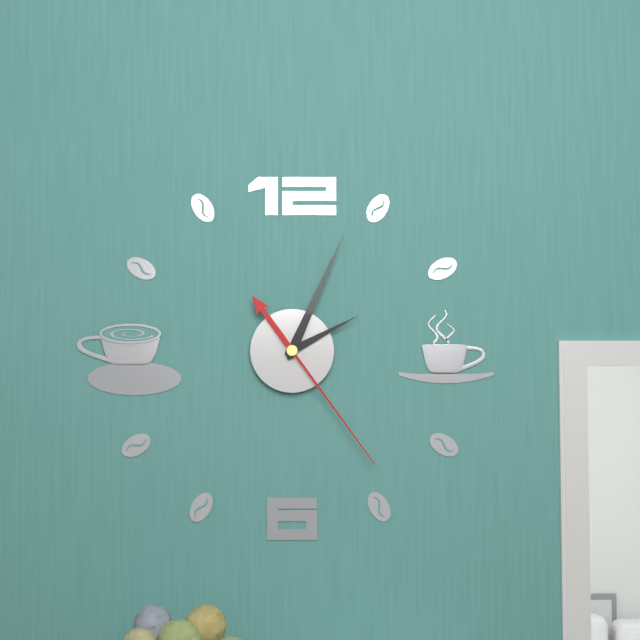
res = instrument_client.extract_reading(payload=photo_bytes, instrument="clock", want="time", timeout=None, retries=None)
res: 2:04:24
